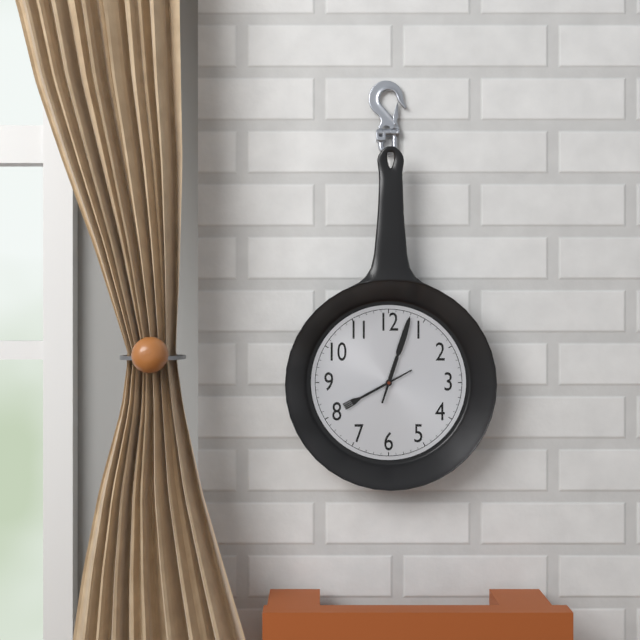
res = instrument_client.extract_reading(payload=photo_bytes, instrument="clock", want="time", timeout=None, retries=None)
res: 8:03
